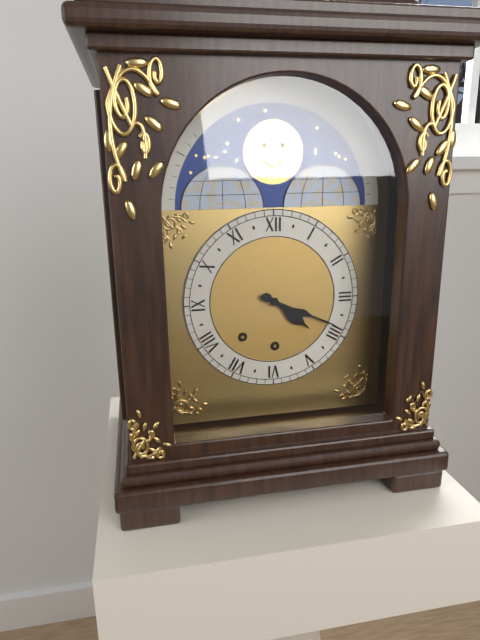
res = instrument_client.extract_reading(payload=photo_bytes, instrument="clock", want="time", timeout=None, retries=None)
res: 4:19
